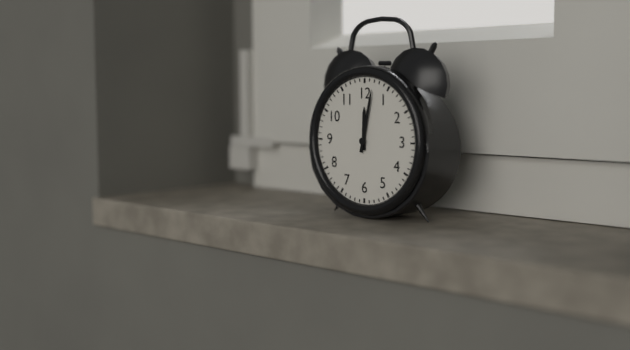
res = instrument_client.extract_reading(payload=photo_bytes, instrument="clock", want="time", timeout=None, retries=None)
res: 12:02
